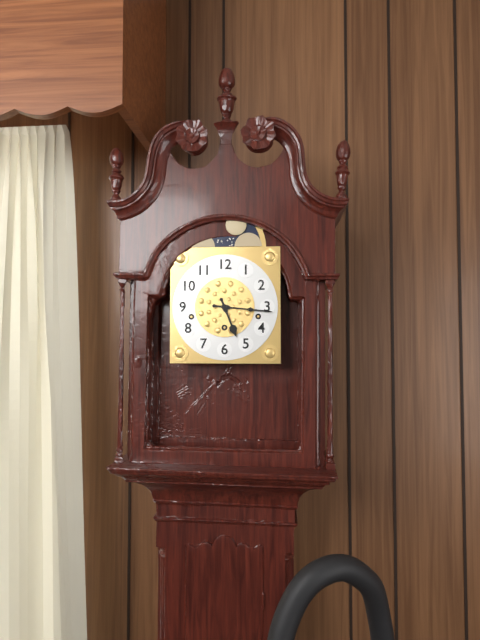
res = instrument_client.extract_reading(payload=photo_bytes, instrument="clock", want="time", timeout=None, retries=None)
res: 5:16
